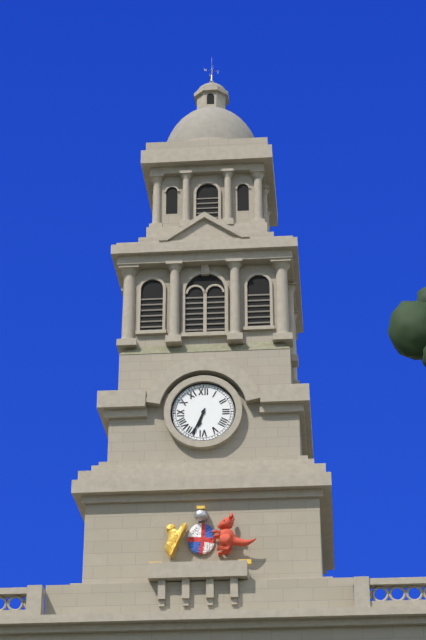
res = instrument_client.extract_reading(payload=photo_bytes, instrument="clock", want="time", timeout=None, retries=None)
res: 6:34
